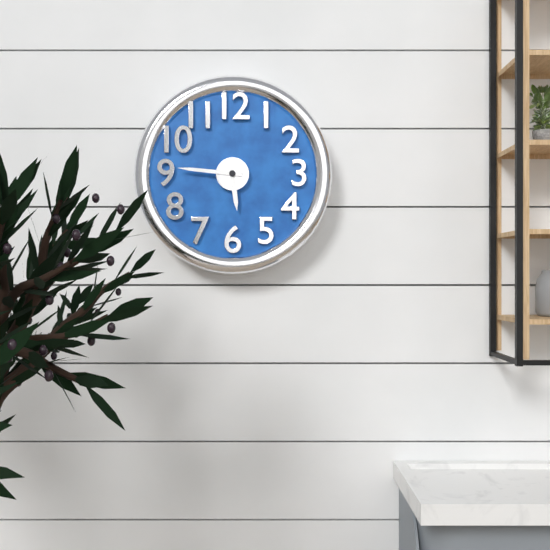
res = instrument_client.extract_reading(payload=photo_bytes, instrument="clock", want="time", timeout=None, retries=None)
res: 5:46
